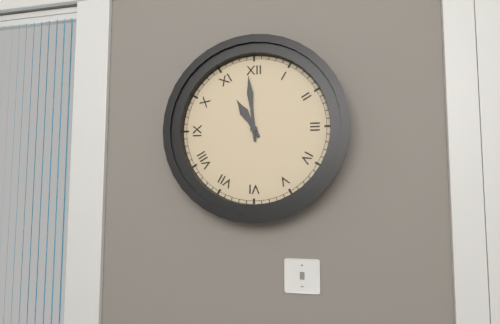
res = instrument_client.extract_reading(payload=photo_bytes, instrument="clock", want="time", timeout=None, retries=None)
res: 10:59
